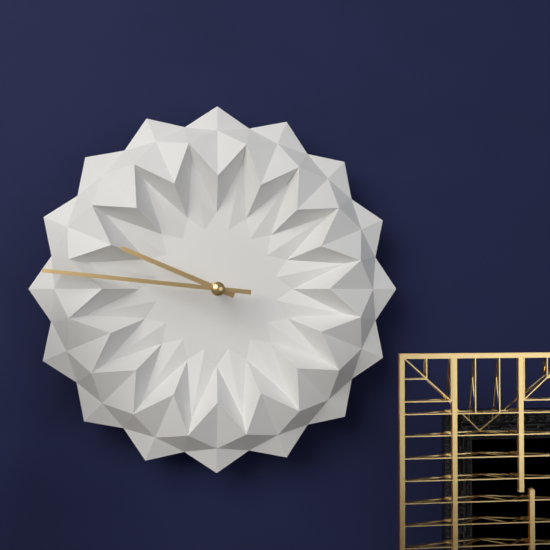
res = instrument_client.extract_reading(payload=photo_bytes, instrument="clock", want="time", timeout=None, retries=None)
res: 9:46
